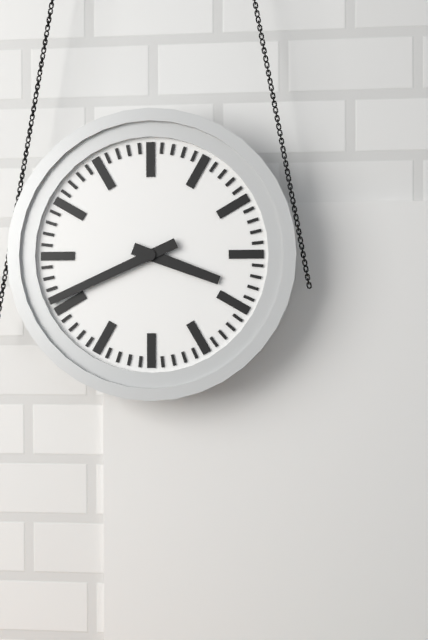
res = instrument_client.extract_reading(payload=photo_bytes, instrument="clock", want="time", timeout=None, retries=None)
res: 3:41
